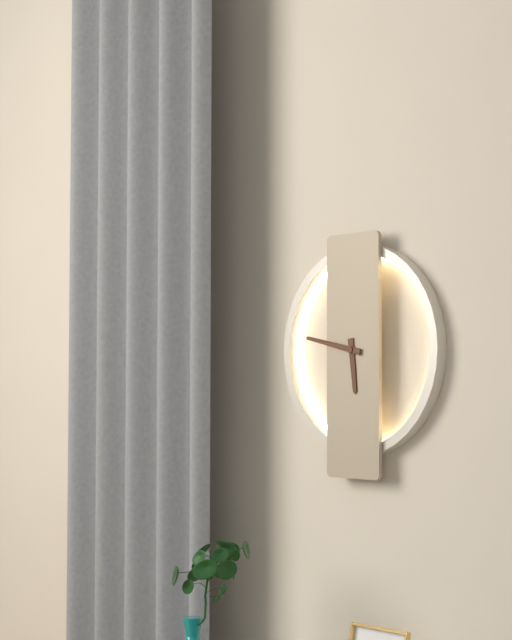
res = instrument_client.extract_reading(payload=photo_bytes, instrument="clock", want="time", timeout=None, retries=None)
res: 5:47
